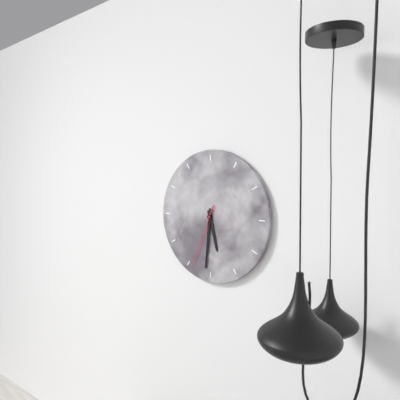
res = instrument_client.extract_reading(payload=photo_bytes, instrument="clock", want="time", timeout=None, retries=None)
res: 5:31:34
